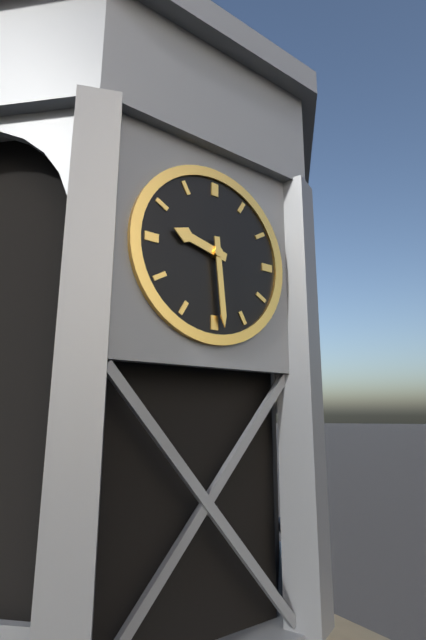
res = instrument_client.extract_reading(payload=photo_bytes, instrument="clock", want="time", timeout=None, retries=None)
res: 9:29
